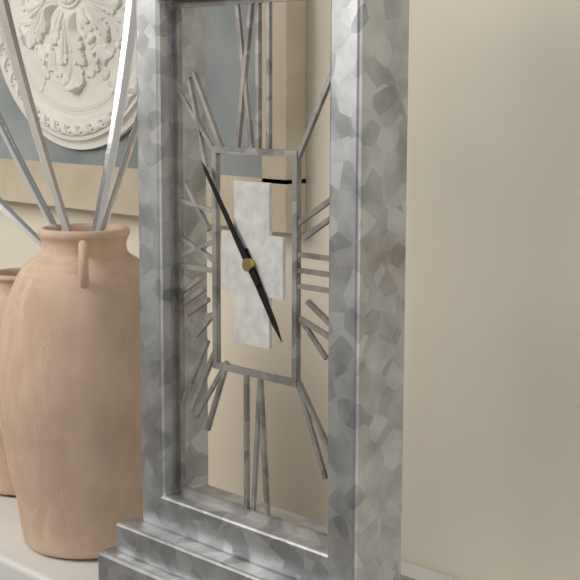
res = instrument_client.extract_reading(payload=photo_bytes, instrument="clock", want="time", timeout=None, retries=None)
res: 4:54
